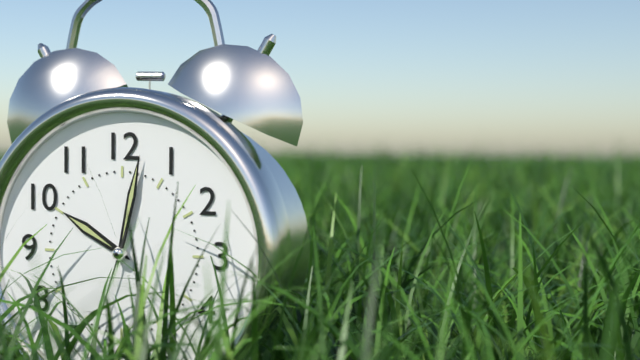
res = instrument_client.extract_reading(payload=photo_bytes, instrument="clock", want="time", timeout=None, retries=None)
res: 10:02:33
